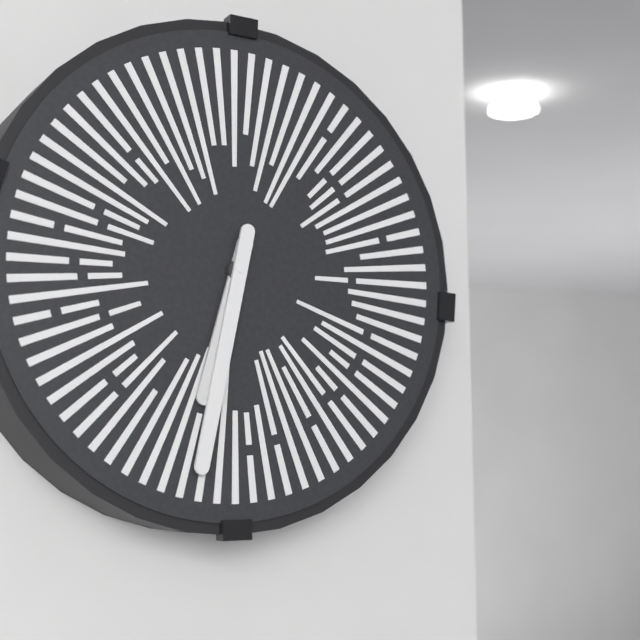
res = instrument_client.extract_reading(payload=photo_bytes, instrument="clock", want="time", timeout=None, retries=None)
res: 6:32
